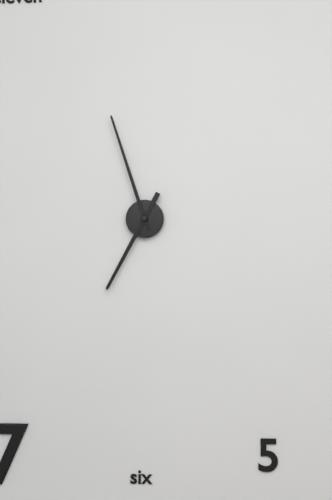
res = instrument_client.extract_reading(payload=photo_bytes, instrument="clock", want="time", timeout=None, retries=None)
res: 6:57
